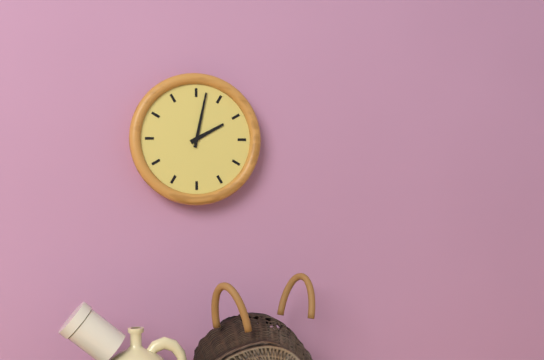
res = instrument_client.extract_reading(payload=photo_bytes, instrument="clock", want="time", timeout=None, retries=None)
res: 2:02
